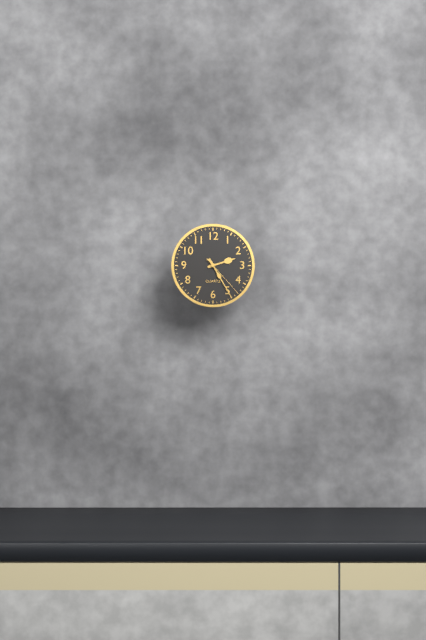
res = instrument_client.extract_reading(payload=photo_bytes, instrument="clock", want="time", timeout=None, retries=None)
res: 2:25
